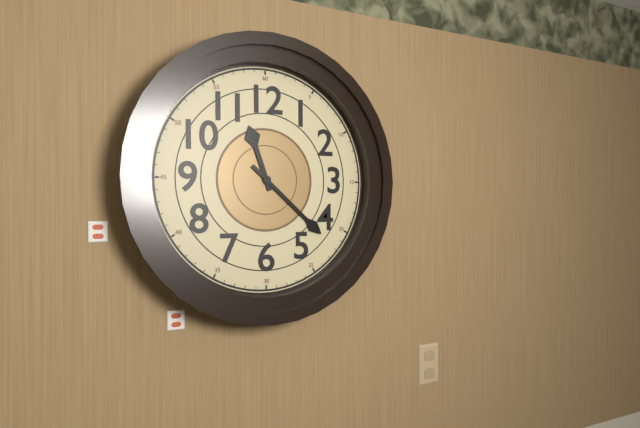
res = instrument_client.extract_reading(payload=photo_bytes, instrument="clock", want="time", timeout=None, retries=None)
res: 11:22
